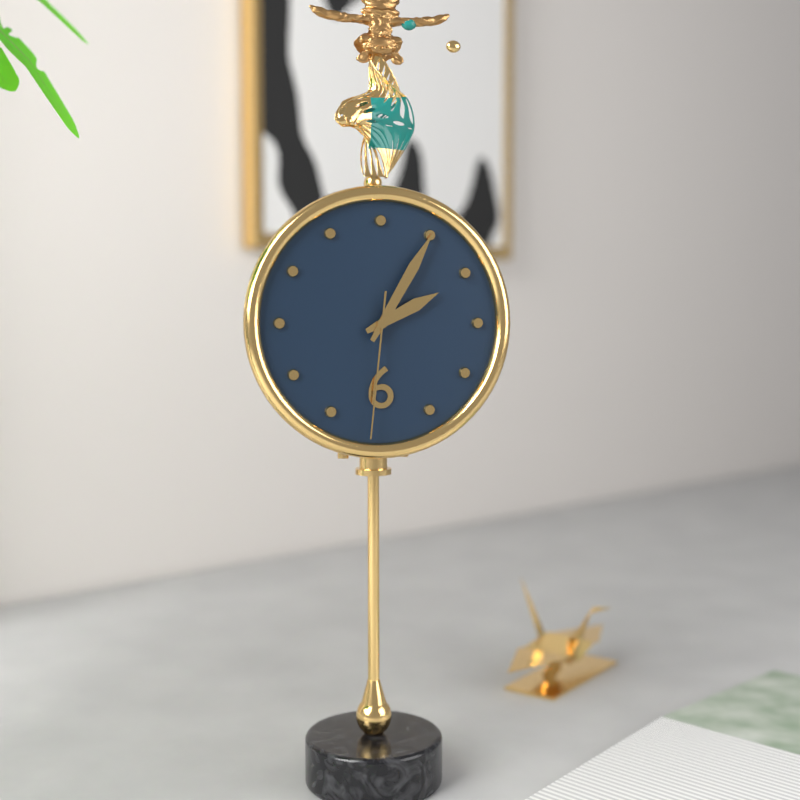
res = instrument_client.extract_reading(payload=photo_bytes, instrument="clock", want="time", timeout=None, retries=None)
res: 2:05:31
